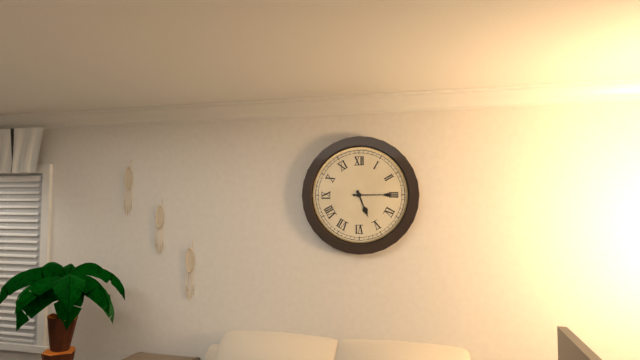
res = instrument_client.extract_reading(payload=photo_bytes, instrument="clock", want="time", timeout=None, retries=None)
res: 5:15
